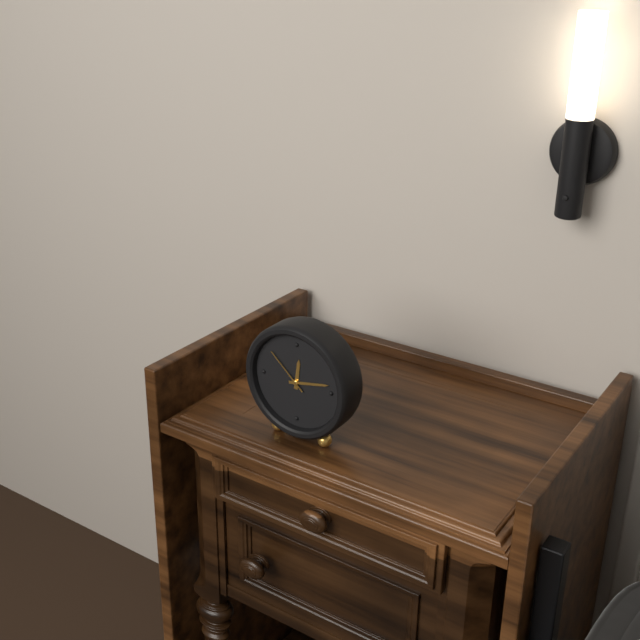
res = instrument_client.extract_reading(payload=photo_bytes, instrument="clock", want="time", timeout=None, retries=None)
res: 12:13:52
